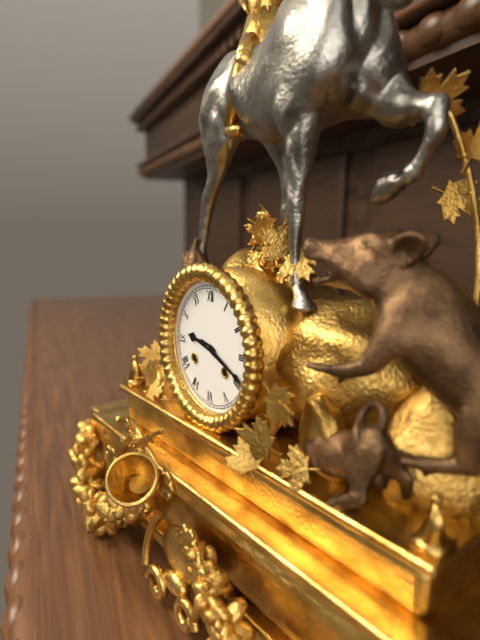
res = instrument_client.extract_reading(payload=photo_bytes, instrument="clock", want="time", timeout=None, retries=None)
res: 9:19
